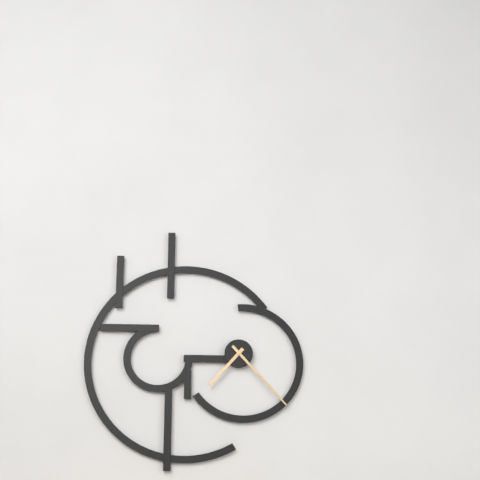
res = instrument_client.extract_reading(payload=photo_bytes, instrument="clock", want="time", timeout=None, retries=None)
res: 7:23
